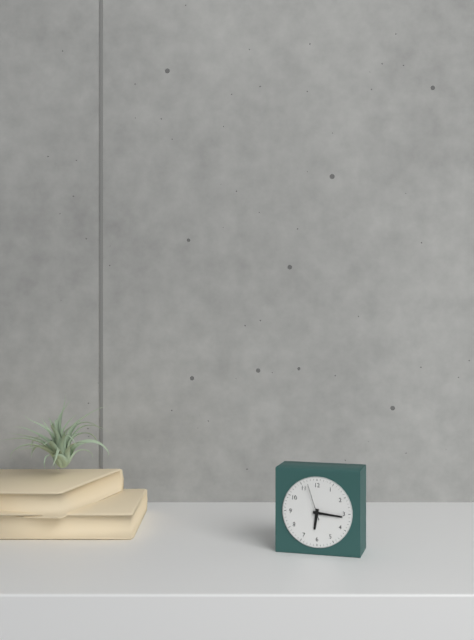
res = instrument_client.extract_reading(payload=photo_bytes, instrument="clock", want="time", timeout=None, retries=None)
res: 6:16
